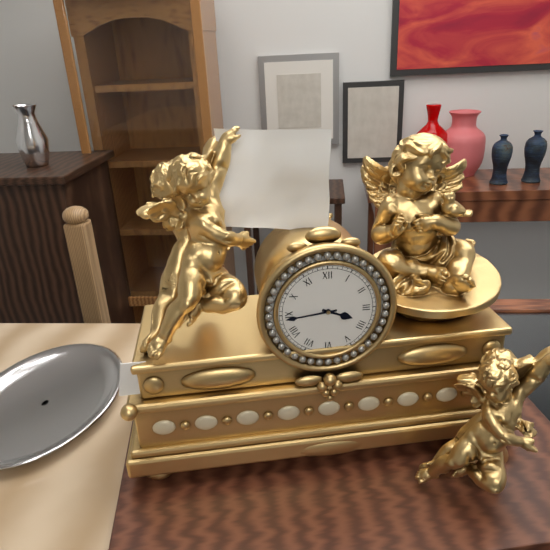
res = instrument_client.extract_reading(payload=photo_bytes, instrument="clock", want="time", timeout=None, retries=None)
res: 3:44
